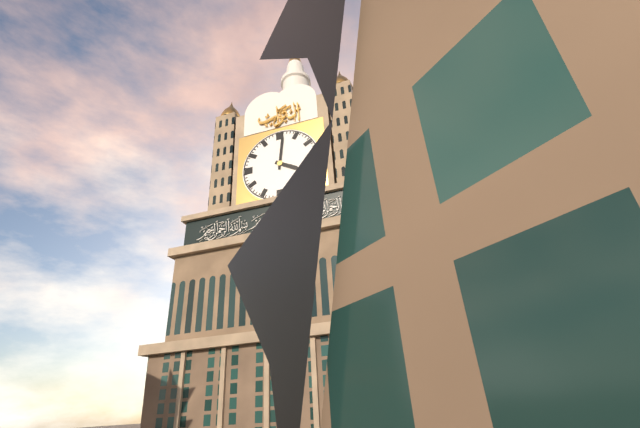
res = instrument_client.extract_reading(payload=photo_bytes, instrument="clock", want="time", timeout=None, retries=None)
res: 4:01
